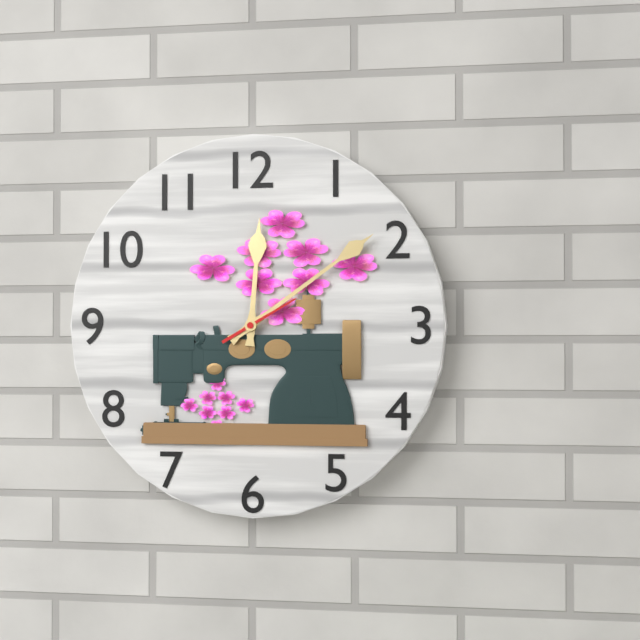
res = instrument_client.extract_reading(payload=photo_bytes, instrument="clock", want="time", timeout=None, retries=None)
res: 12:09:10
